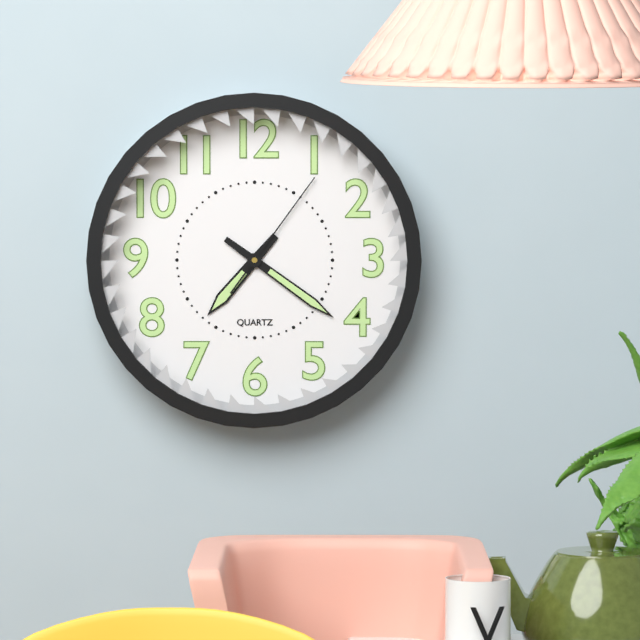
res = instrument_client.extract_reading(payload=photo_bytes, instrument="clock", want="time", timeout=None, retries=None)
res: 7:21:06
